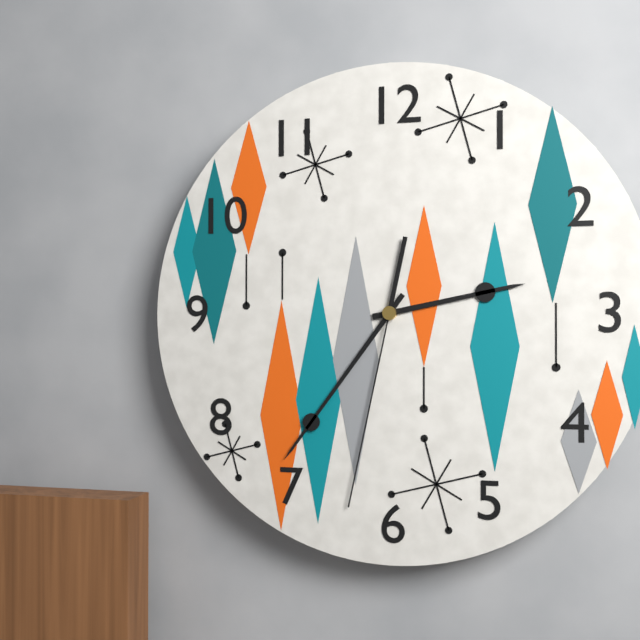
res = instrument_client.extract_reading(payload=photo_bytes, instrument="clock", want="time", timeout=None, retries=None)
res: 2:36:32
